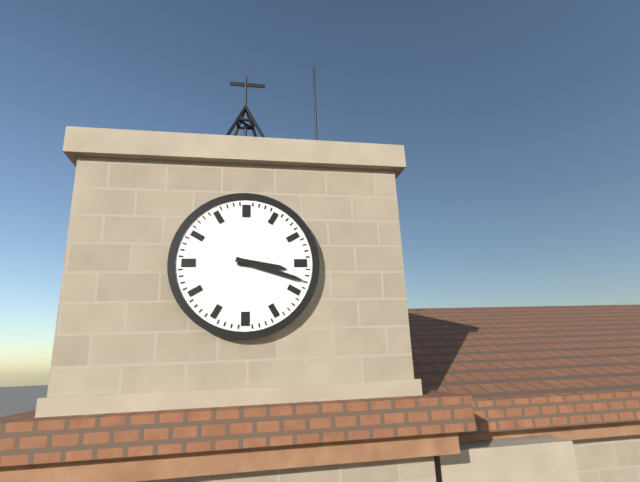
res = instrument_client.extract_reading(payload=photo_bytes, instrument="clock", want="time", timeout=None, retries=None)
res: 3:18
